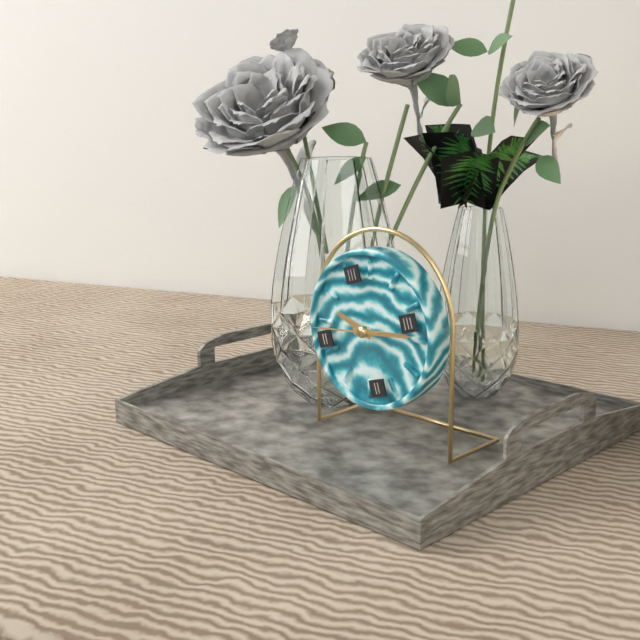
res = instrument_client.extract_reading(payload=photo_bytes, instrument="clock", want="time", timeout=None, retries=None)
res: 10:17:47
